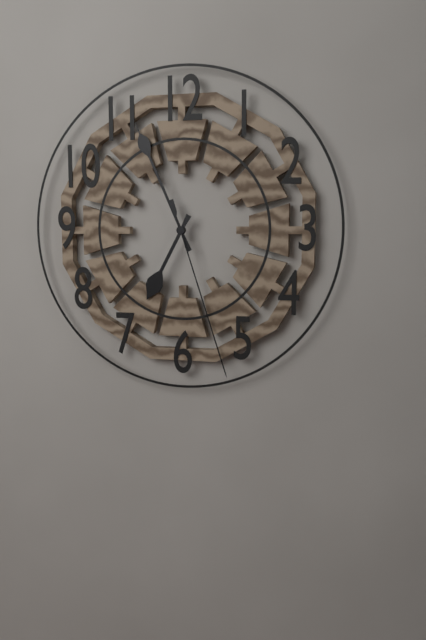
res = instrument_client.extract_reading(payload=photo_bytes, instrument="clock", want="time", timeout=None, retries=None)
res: 6:56:27
